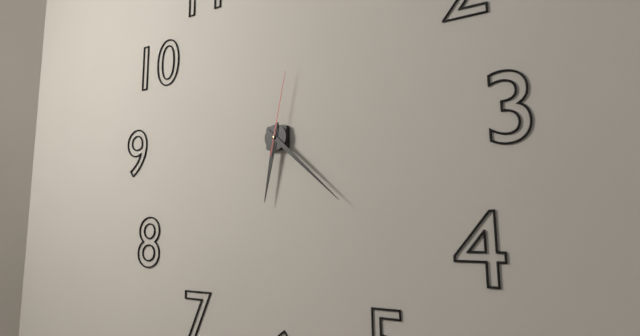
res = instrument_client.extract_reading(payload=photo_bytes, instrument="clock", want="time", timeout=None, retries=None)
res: 6:22:02
